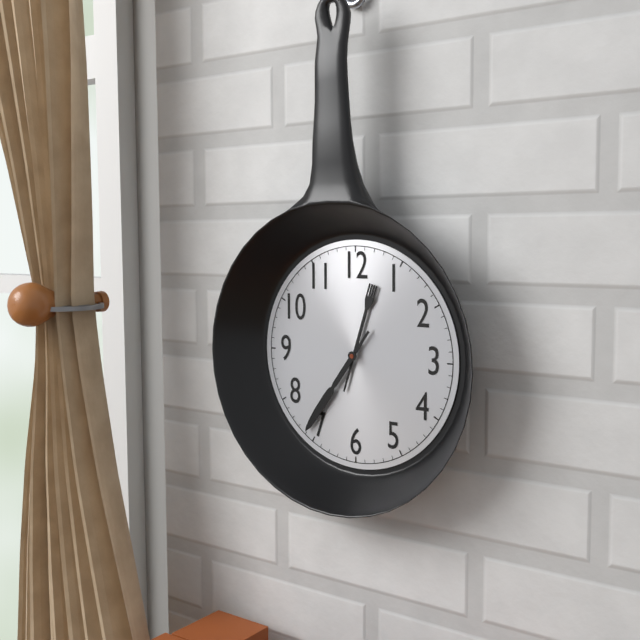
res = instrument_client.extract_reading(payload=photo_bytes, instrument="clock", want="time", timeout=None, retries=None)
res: 12:36
